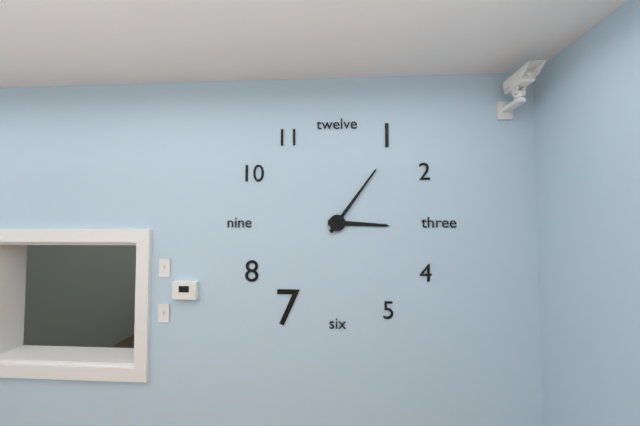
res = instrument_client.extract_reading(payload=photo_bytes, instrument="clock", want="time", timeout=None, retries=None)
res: 3:06
